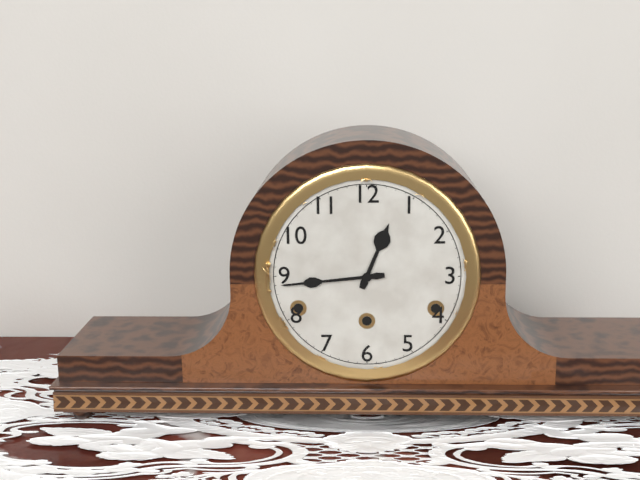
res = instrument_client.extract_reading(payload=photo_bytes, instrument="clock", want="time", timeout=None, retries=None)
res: 12:44
